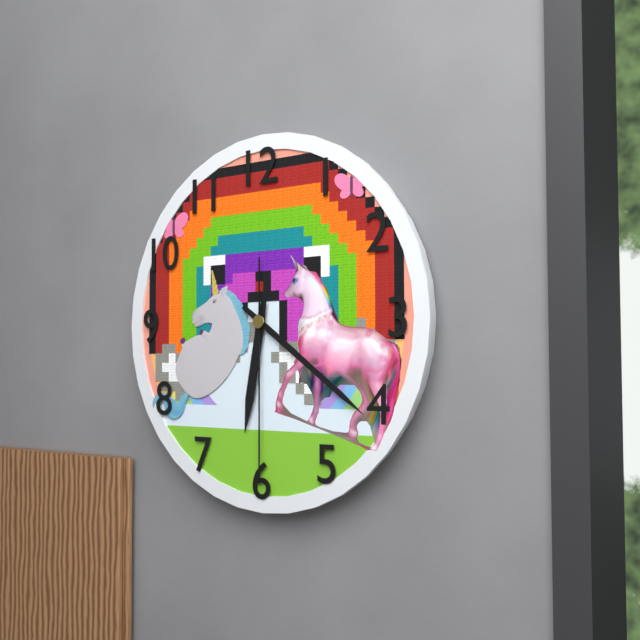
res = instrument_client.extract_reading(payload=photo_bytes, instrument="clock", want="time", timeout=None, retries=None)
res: 6:21:30
